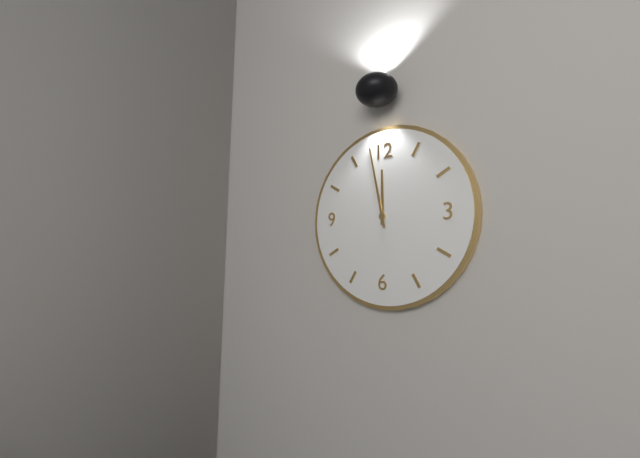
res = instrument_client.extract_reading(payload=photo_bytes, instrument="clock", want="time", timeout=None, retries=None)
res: 11:58
